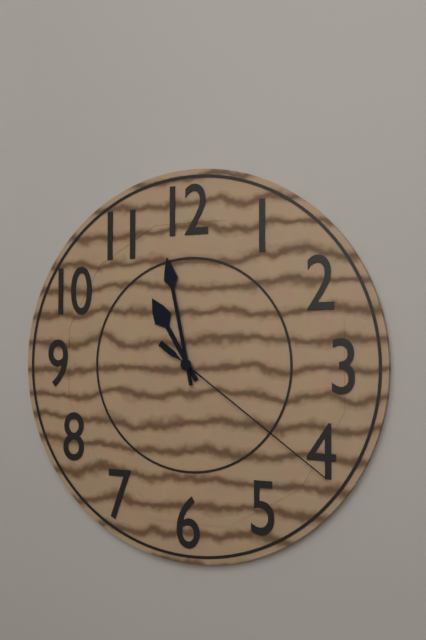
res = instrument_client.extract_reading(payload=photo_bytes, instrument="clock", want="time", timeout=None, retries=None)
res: 10:58:21
